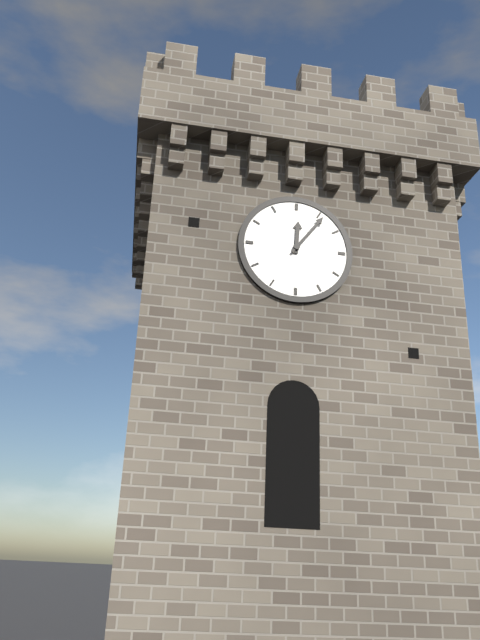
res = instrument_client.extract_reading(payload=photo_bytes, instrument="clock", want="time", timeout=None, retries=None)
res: 12:06
